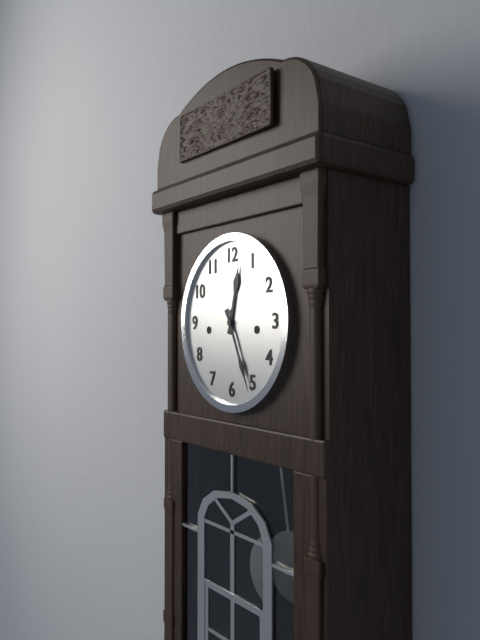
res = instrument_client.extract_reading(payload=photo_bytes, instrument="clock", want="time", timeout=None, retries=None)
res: 12:26
